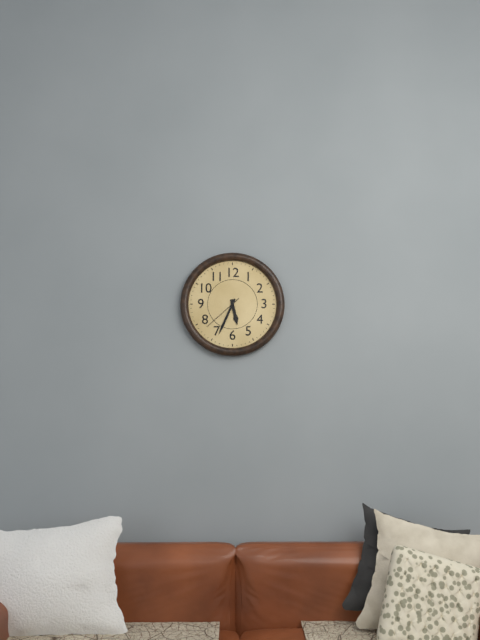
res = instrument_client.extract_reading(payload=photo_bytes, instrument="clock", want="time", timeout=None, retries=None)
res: 5:34
